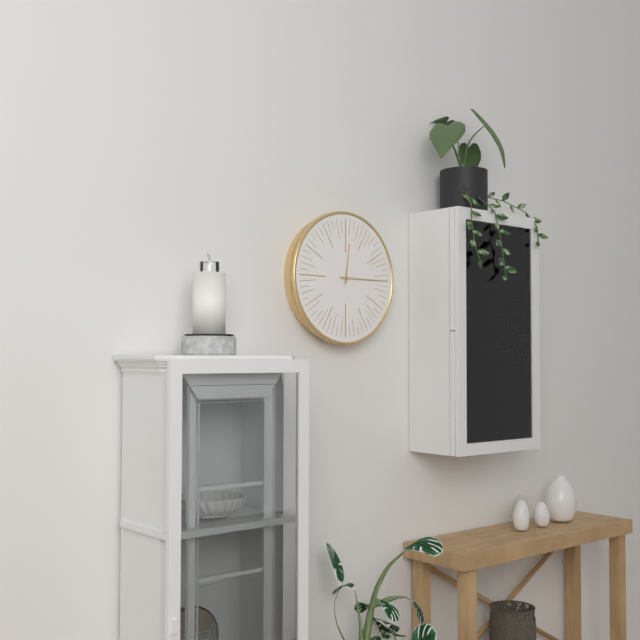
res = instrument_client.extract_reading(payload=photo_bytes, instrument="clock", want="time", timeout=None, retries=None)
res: 12:15
